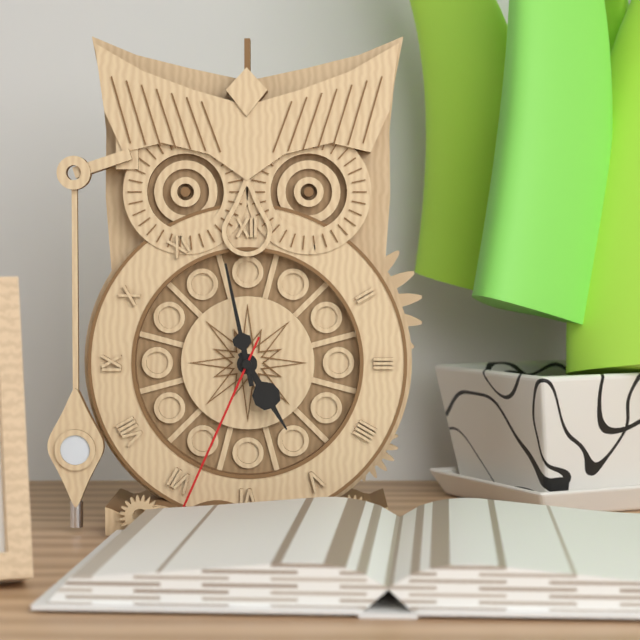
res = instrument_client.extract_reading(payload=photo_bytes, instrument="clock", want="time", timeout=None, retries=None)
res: 4:58:34
